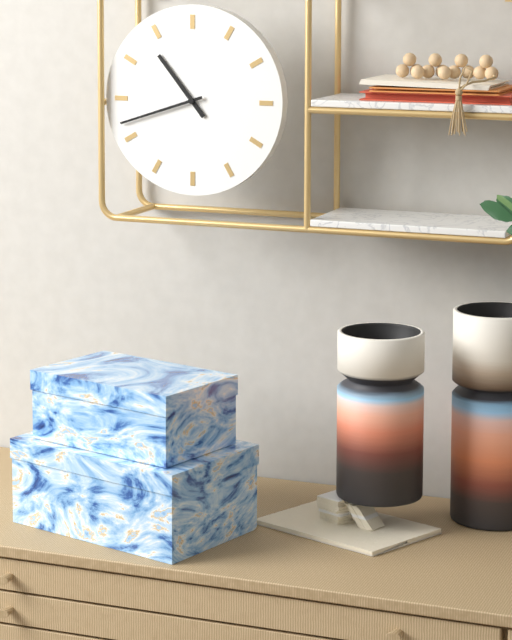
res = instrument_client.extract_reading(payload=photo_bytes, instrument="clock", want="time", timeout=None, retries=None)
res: 10:42
